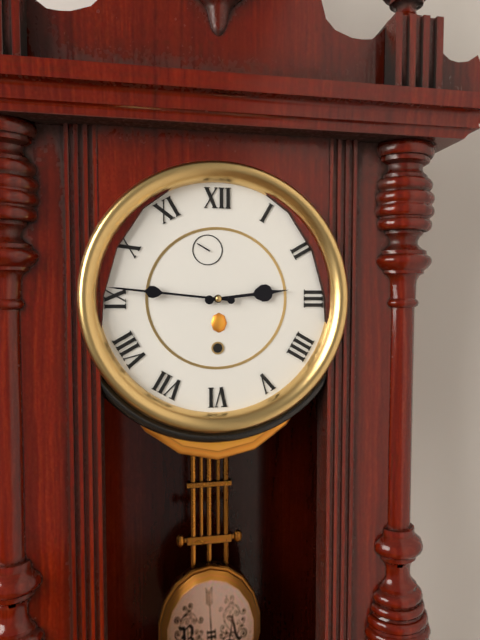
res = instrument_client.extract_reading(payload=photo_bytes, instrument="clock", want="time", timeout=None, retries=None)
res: 2:46
